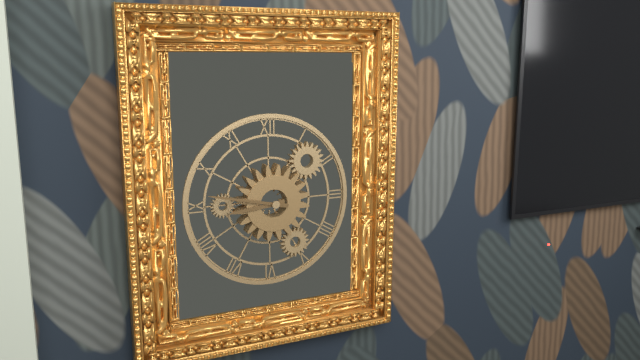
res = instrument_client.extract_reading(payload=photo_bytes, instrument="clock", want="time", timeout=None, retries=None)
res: 8:47
